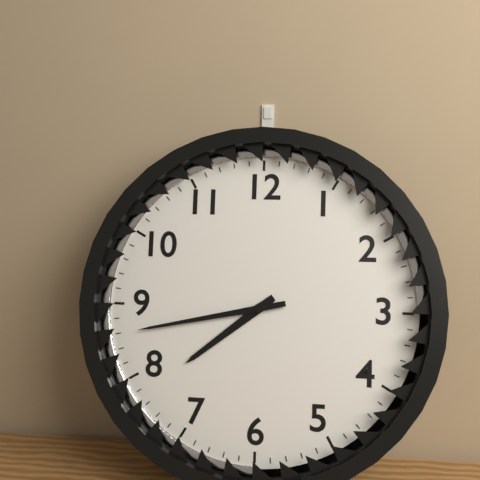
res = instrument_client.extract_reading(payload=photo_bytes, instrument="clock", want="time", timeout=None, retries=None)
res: 7:43
